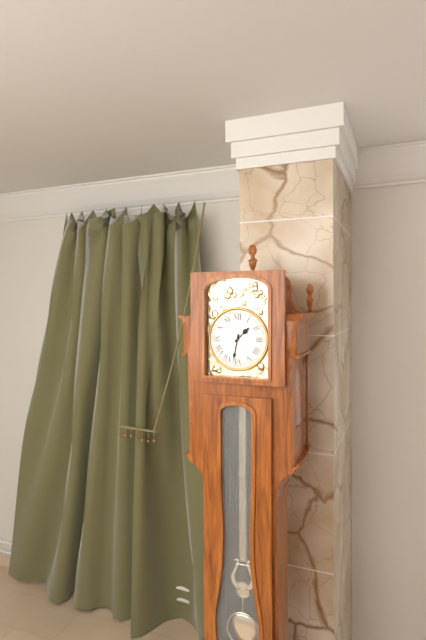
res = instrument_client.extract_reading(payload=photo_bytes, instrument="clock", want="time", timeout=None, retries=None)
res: 1:32
